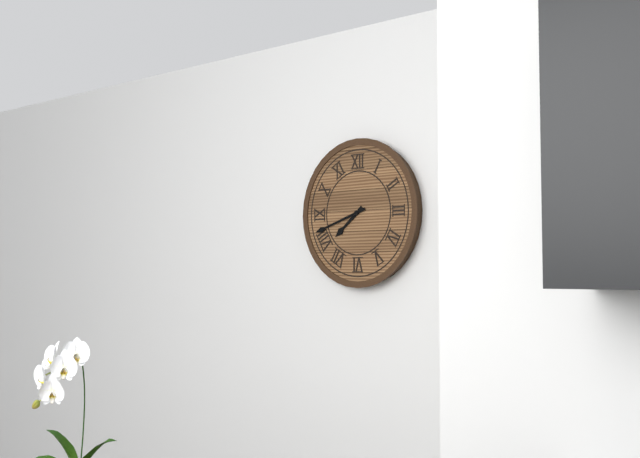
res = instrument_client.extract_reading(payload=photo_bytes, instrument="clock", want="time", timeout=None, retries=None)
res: 7:42
